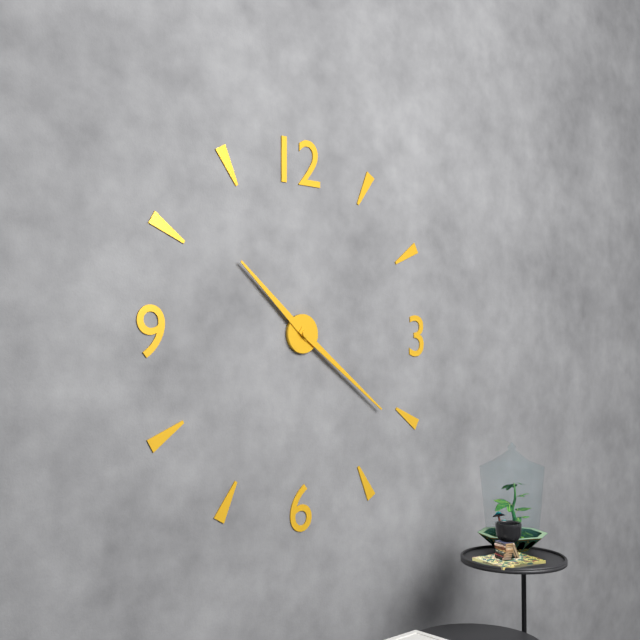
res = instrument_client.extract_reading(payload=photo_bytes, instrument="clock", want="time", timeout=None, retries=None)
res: 10:21
